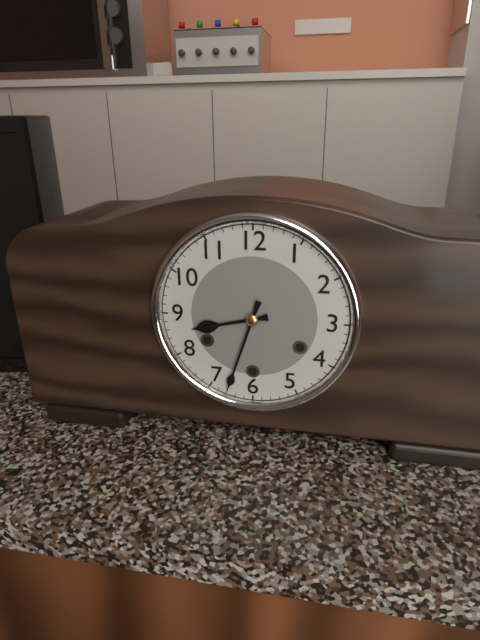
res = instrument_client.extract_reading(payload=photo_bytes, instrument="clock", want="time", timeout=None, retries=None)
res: 8:33
